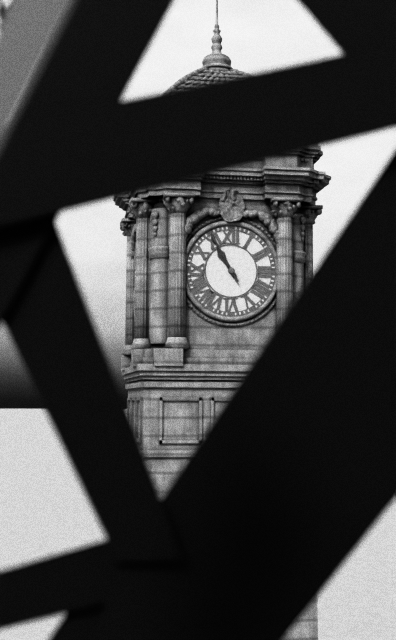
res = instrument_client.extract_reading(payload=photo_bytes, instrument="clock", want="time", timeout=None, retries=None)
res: 10:55
